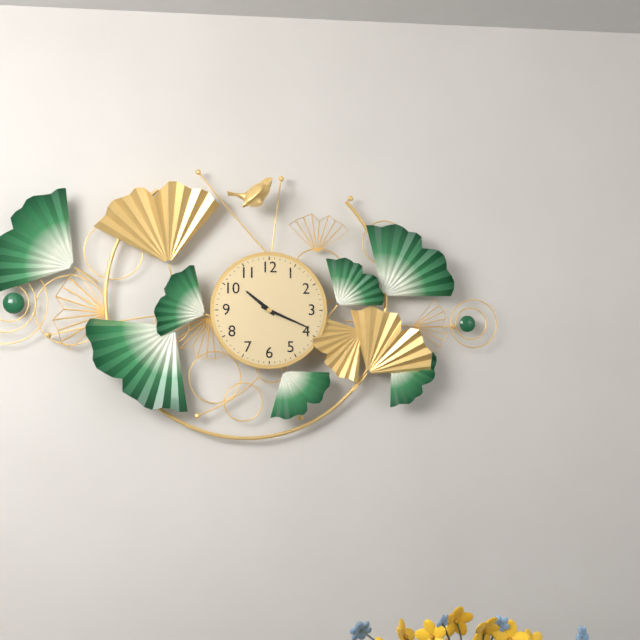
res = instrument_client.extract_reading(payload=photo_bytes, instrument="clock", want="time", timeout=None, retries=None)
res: 10:19
